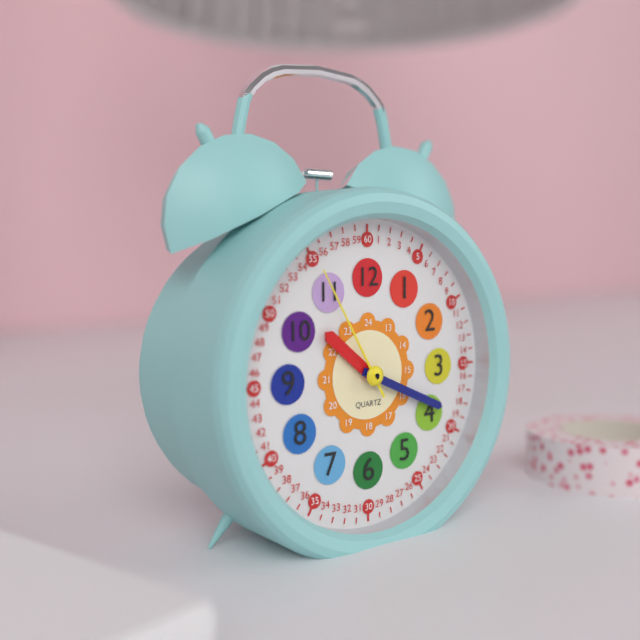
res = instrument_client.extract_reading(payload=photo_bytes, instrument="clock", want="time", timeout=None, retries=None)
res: 10:19:55
